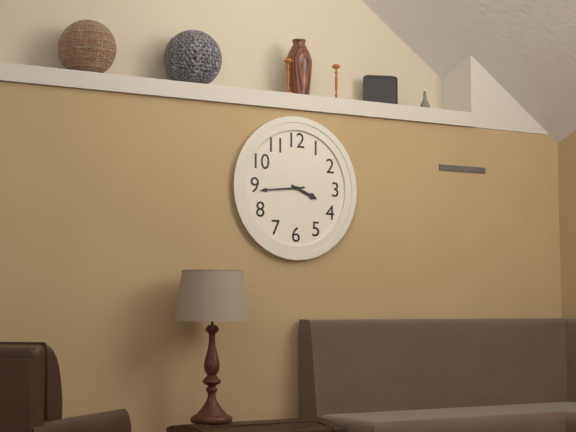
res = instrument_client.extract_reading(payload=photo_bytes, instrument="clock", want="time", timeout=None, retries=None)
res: 3:44
